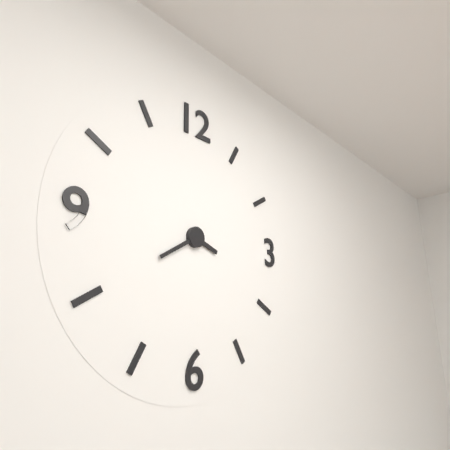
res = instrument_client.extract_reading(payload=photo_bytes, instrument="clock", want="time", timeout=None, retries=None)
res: 3:40
